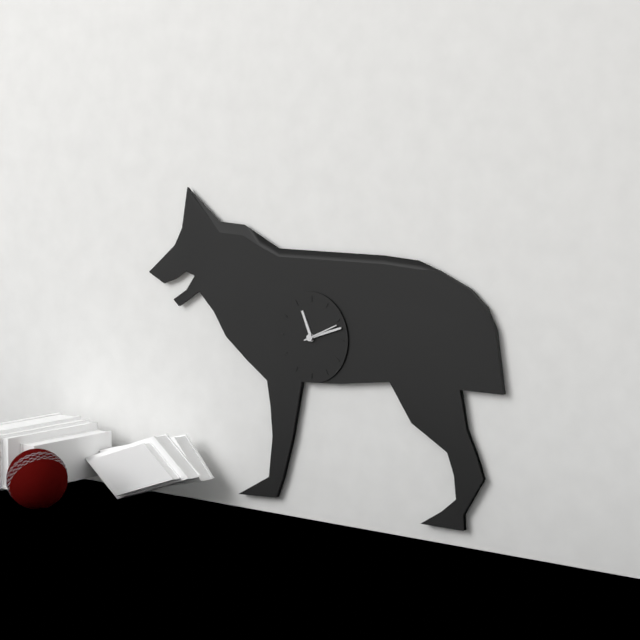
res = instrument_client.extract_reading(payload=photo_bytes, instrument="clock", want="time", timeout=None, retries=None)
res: 11:12
